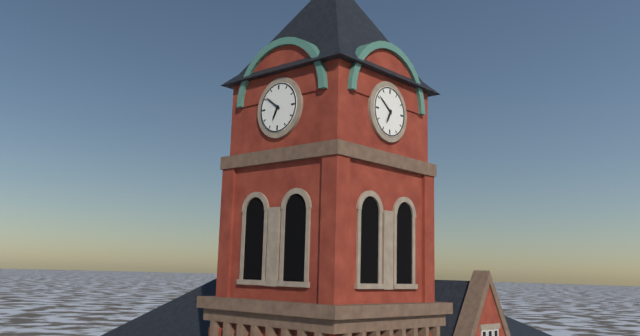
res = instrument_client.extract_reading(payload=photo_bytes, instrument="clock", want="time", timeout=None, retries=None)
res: 6:51
